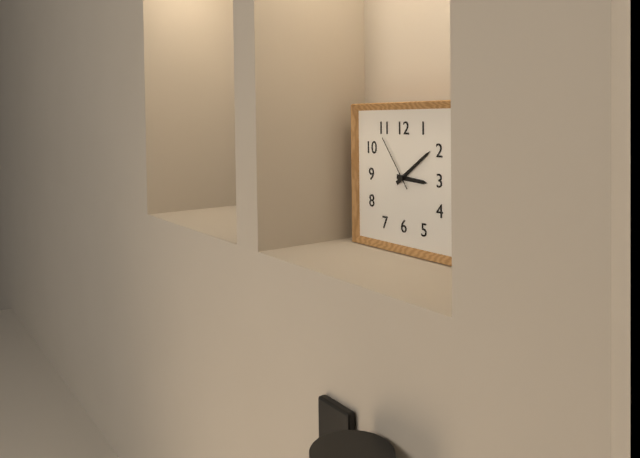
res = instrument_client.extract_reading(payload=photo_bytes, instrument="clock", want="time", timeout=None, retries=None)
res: 3:09:54
